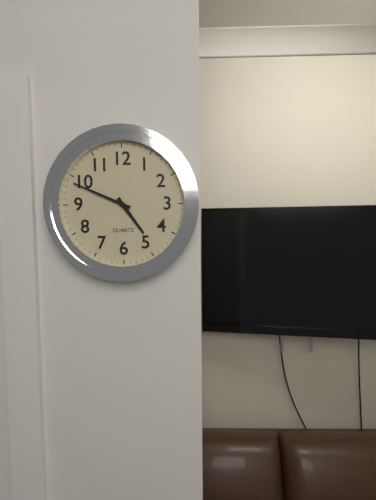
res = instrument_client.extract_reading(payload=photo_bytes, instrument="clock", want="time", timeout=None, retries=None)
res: 4:49
